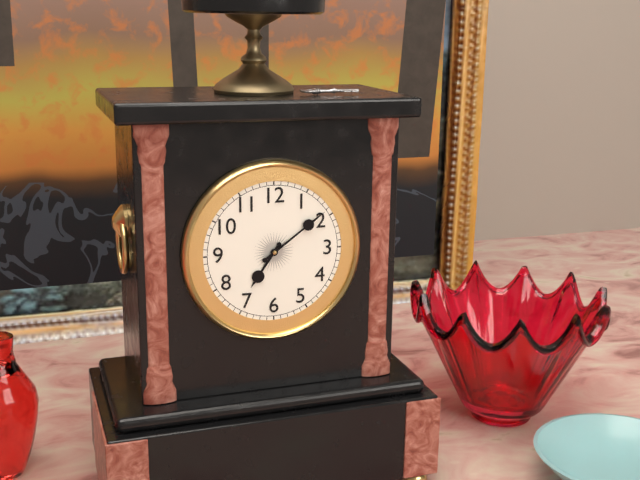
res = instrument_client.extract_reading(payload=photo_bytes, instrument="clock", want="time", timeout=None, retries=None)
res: 7:09
